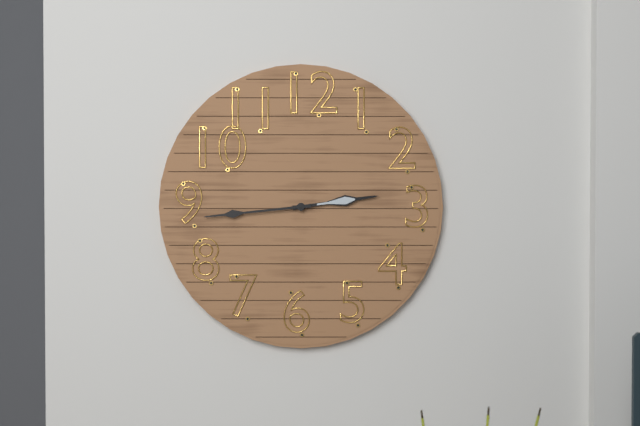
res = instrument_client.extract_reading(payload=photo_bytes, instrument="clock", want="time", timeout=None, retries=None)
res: 2:44
